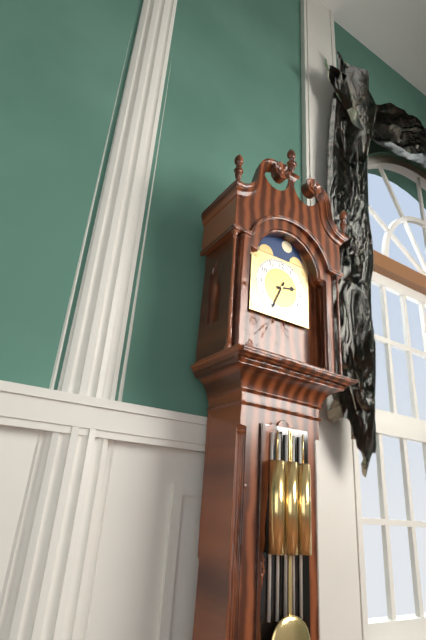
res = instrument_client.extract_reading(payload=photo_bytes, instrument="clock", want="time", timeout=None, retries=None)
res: 2:34
